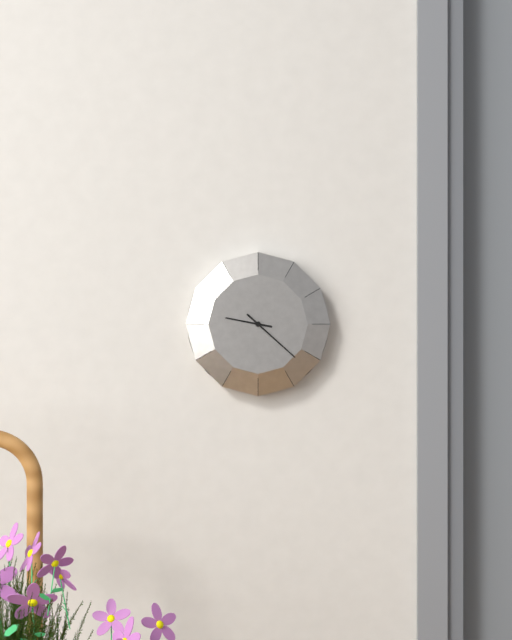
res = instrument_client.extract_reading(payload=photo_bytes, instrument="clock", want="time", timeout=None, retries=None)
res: 9:22
